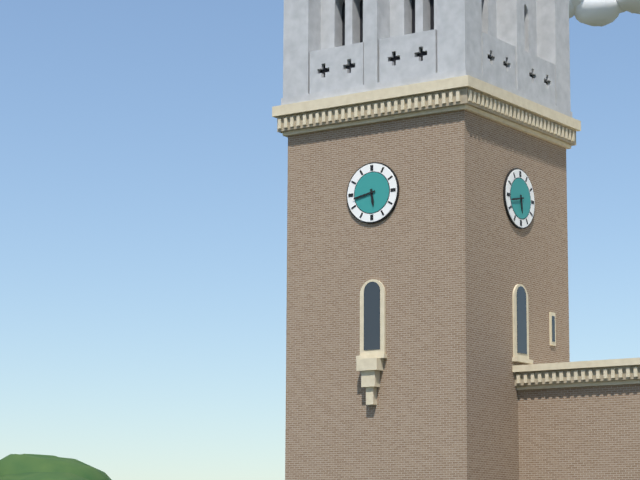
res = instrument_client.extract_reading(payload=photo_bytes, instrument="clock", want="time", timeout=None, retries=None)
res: 5:43
